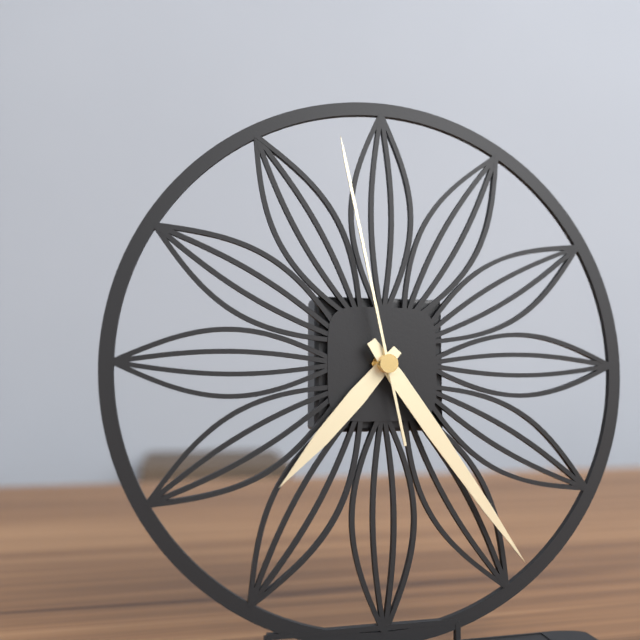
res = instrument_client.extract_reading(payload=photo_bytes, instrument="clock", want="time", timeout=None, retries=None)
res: 7:24:58
